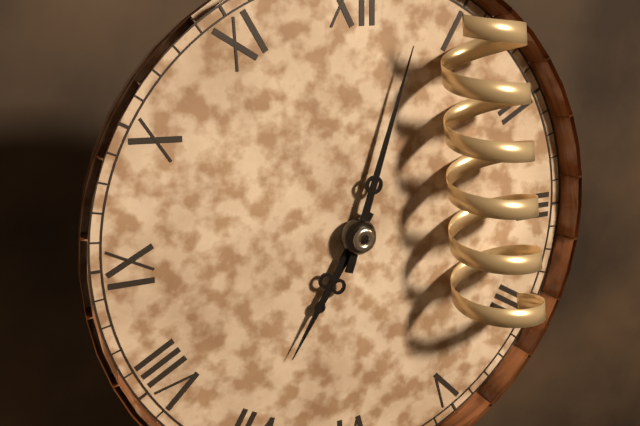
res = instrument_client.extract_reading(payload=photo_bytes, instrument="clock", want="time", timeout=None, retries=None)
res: 7:03
